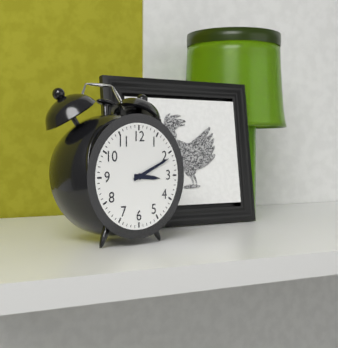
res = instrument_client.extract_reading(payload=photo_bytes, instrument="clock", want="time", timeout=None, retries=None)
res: 3:11
